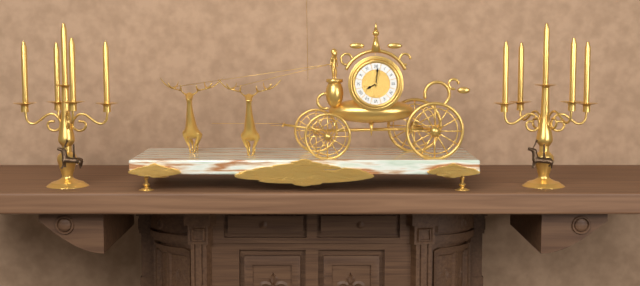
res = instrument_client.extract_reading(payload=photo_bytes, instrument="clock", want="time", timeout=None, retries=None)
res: 8:01
